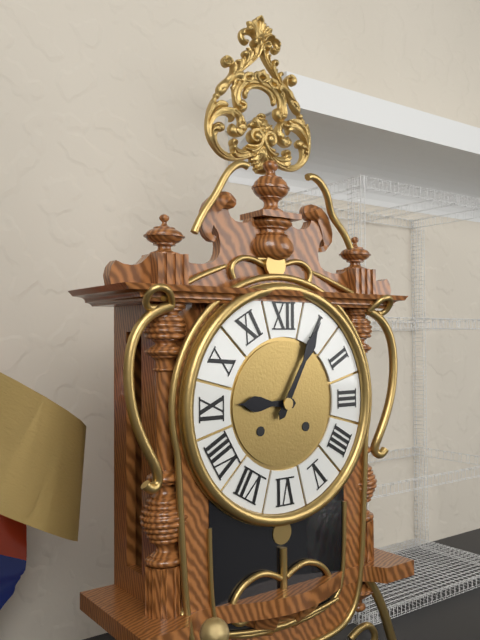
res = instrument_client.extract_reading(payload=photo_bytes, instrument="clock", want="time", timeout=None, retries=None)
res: 9:05
